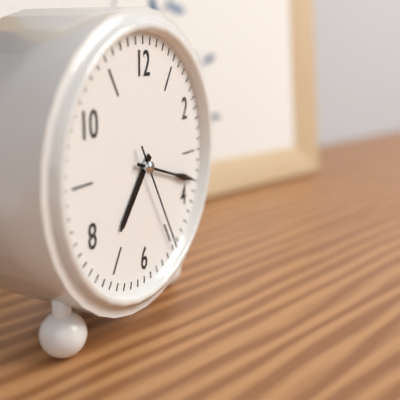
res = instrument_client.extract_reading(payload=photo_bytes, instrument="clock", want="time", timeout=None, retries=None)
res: 7:18:25
